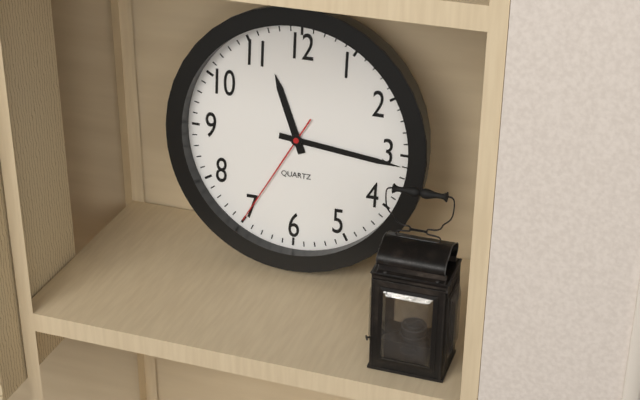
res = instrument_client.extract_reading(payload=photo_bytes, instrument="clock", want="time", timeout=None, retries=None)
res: 11:16:35
